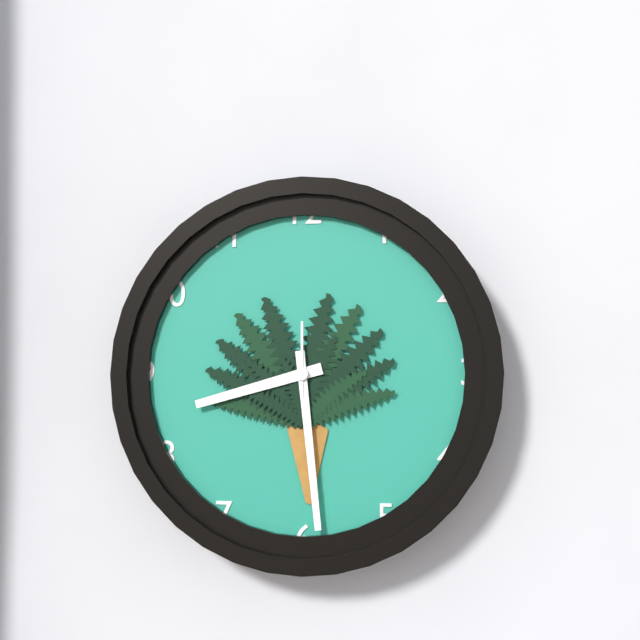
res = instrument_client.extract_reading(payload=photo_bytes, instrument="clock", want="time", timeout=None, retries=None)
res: 8:29:00
